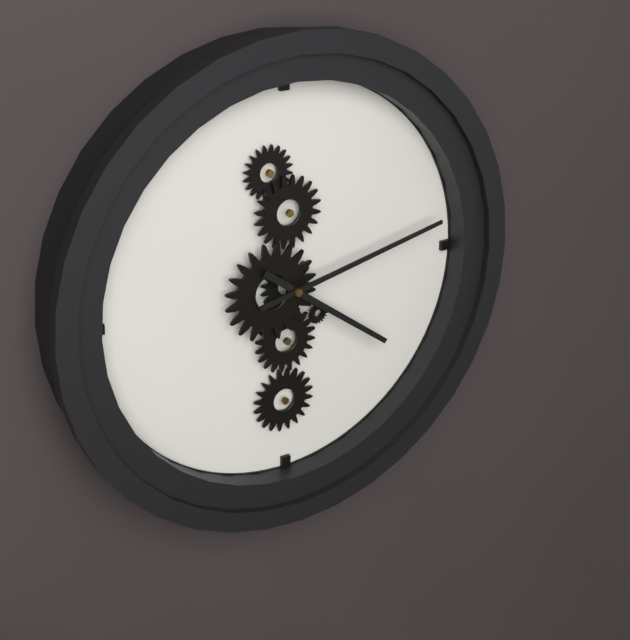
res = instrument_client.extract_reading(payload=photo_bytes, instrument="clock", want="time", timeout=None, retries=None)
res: 4:13
